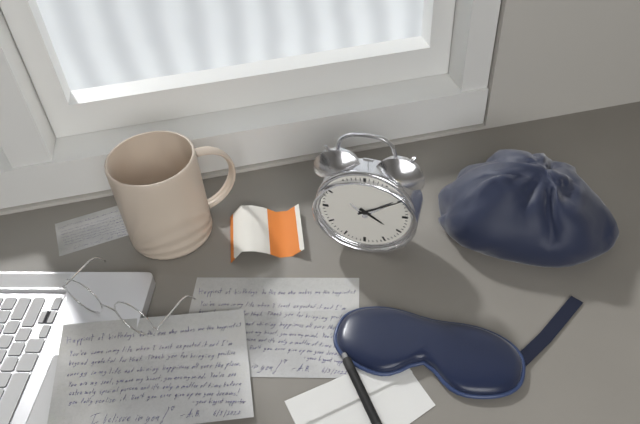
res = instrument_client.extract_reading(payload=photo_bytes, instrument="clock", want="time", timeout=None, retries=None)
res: 4:10
